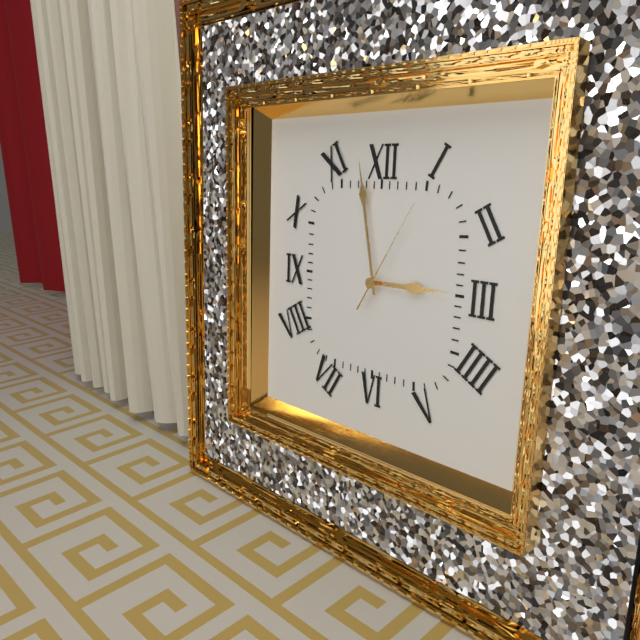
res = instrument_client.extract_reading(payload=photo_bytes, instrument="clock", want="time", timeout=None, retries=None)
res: 2:58:05
